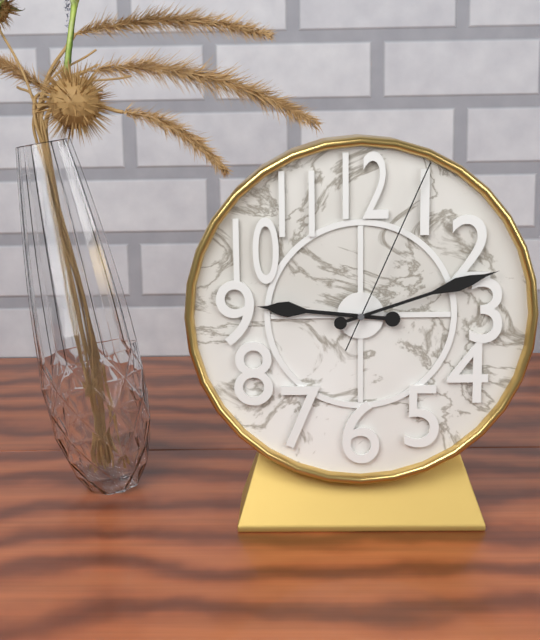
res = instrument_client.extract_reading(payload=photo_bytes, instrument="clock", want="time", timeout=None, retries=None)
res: 9:12:04
